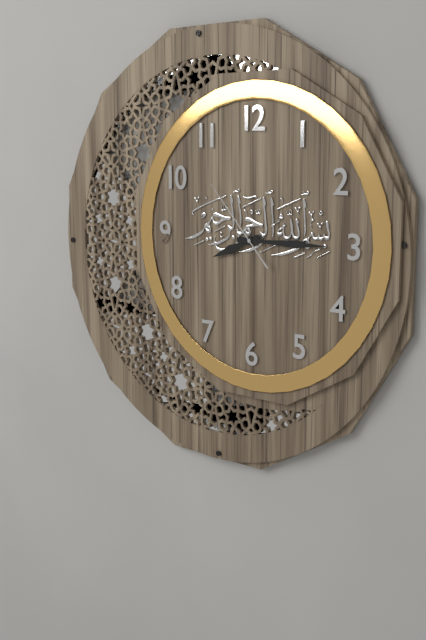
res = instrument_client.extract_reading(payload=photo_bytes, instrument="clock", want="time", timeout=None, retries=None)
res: 8:15:53
